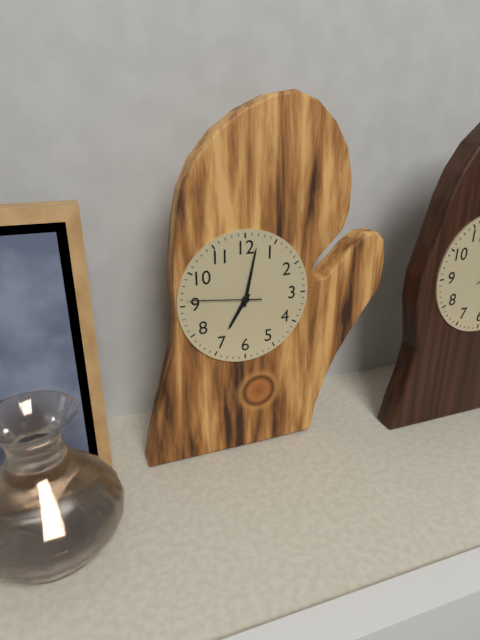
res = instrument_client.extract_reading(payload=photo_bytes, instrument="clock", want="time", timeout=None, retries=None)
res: 7:02:46
